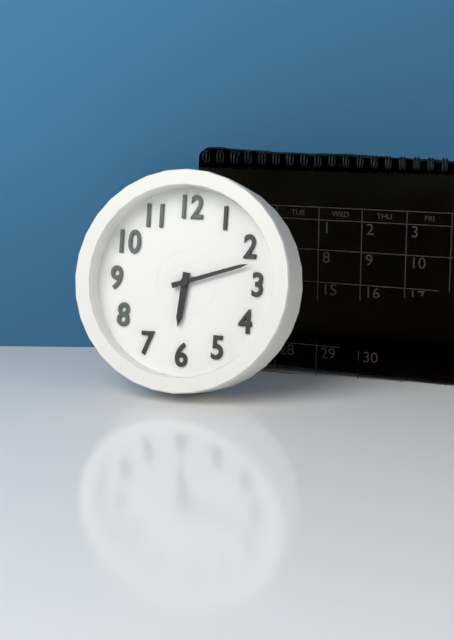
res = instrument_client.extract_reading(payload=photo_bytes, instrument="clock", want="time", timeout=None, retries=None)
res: 6:12
